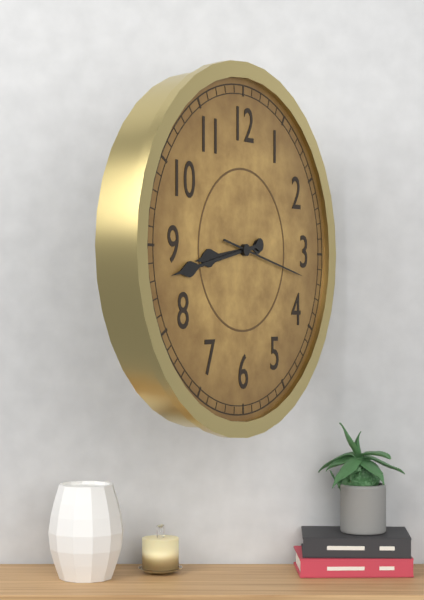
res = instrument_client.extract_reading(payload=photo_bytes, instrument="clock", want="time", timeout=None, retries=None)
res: 8:43:17
